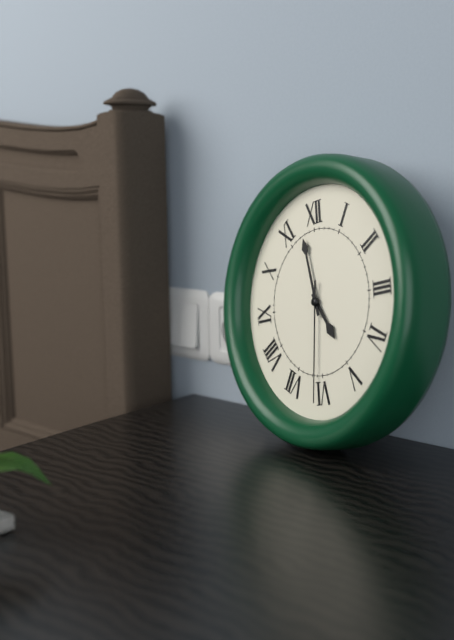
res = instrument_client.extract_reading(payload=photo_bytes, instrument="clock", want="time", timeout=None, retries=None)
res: 4:58:31
